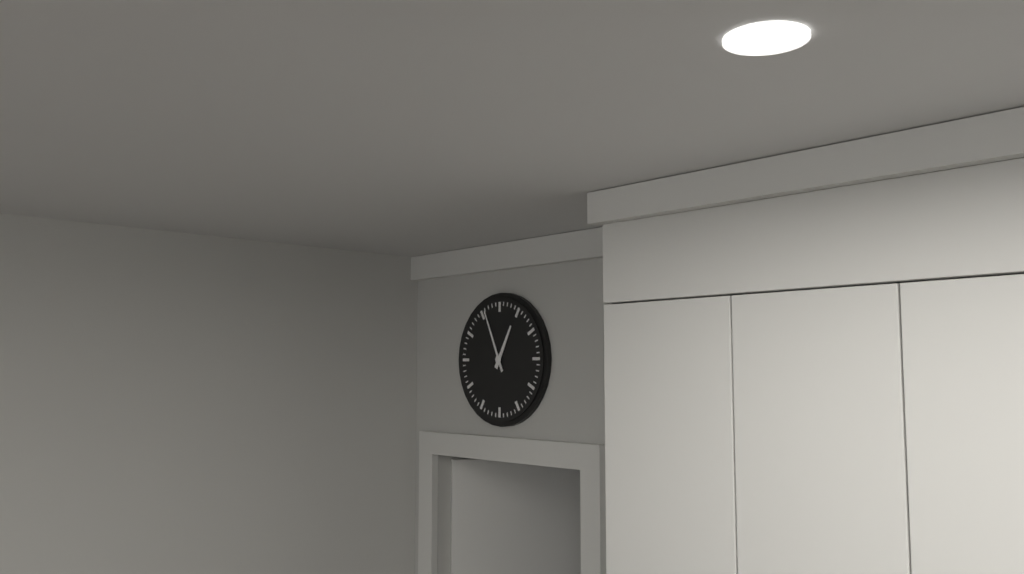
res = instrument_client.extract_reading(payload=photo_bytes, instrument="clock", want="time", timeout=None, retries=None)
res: 12:56
